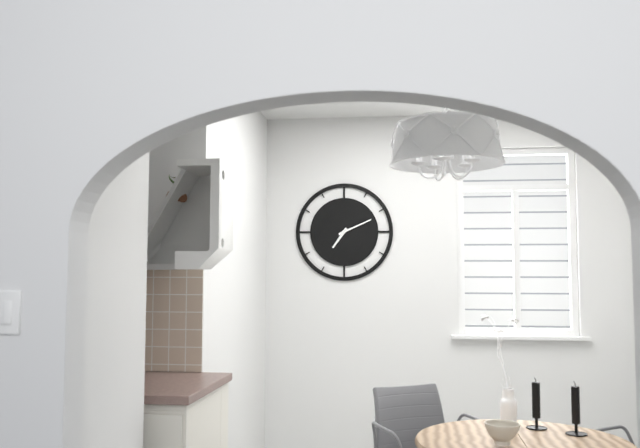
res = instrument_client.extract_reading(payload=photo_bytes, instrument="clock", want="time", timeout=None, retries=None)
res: 7:11
